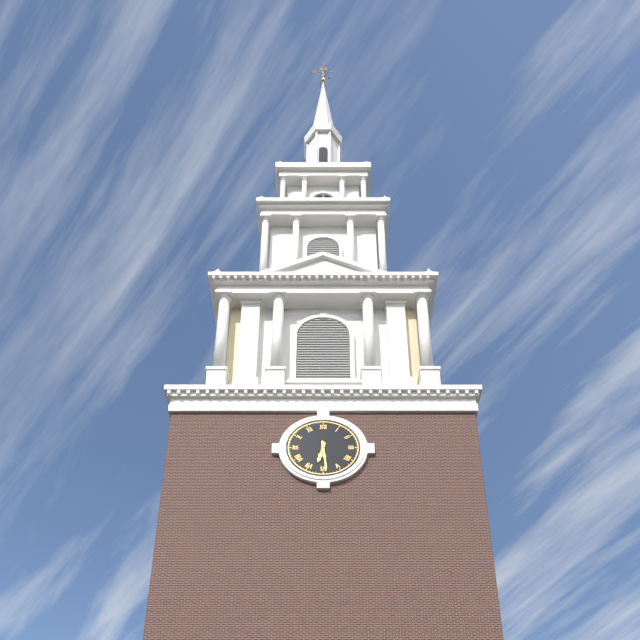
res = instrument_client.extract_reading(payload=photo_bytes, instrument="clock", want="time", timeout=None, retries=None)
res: 6:29
